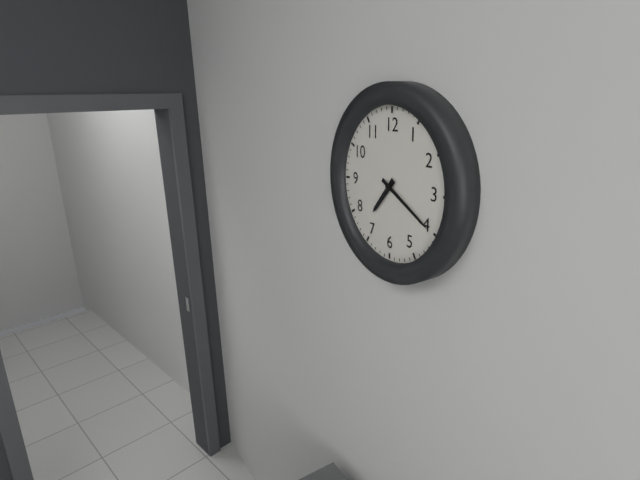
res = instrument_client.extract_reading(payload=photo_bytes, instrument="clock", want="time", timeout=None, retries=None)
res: 7:20
